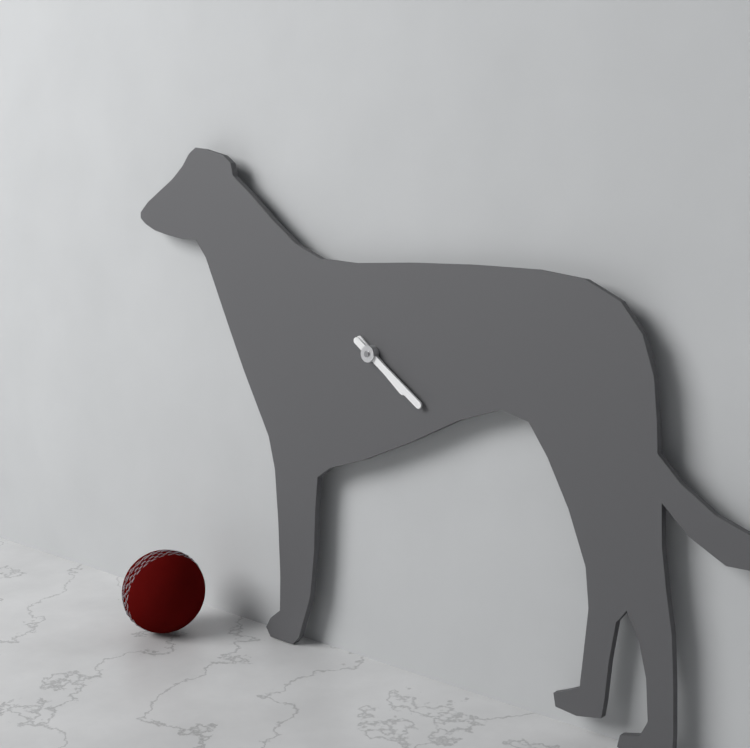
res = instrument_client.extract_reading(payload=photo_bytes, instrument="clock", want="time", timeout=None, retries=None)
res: 4:21
